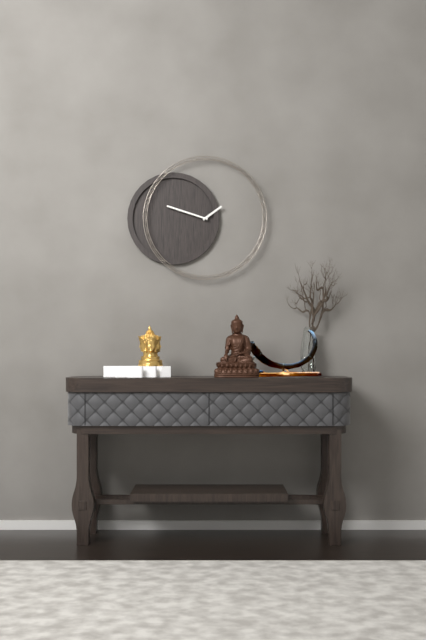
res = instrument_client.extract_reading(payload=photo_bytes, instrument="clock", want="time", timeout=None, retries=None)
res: 1:48
